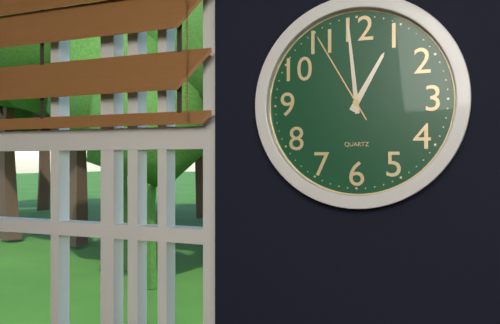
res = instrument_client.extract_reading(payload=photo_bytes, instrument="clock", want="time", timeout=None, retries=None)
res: 12:59:55
